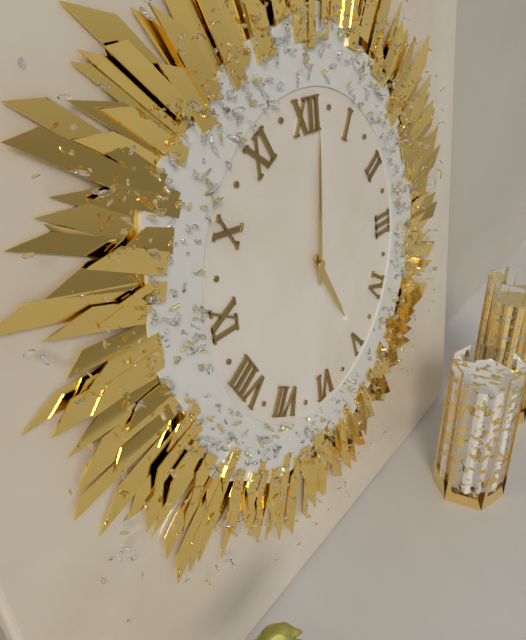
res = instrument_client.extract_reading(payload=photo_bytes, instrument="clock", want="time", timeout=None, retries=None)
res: 5:01
